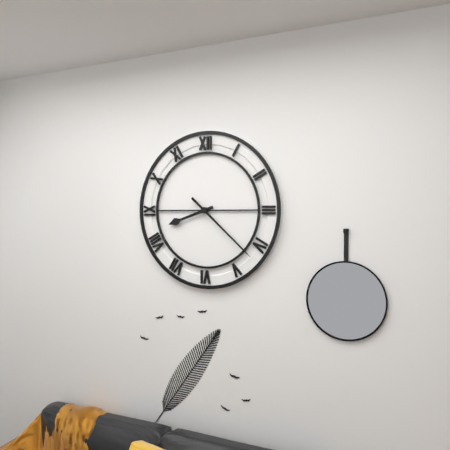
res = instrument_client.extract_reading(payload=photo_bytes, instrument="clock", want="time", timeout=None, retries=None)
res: 8:22
